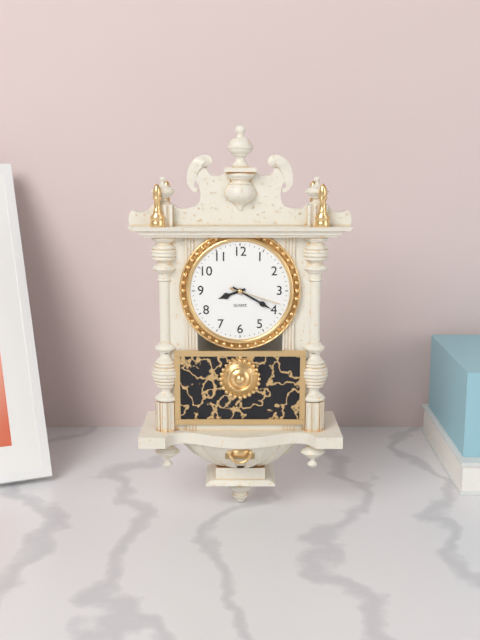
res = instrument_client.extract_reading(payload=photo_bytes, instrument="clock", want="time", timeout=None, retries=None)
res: 8:20:18
